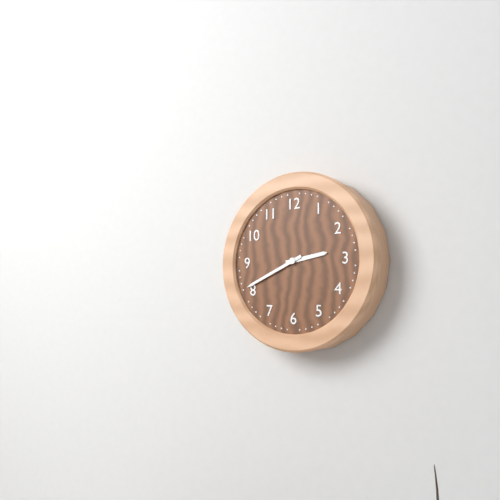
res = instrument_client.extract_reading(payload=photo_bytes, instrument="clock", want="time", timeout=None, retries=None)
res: 2:41
